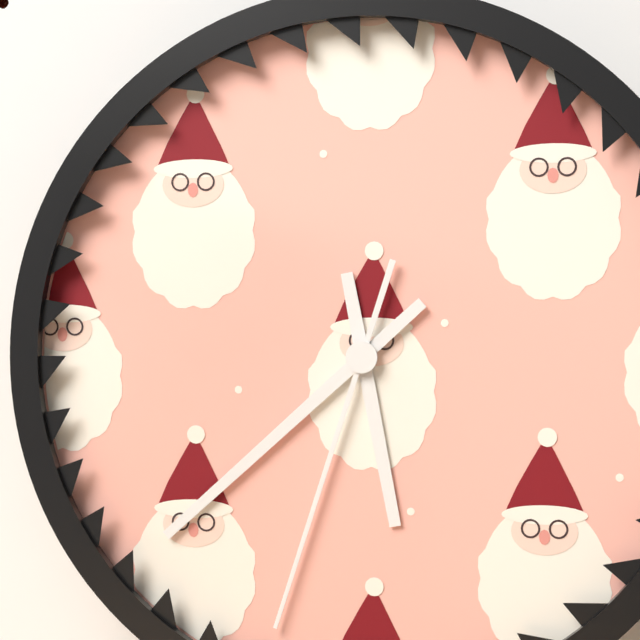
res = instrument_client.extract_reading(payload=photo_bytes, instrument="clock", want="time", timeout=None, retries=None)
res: 5:38:33
